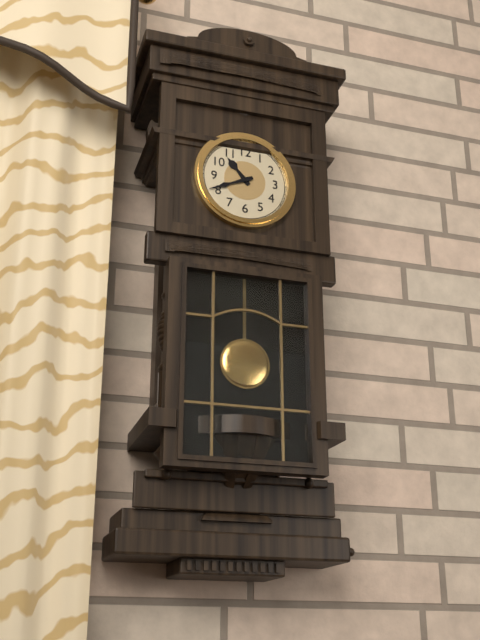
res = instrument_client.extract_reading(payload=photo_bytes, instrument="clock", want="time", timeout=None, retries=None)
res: 10:41
